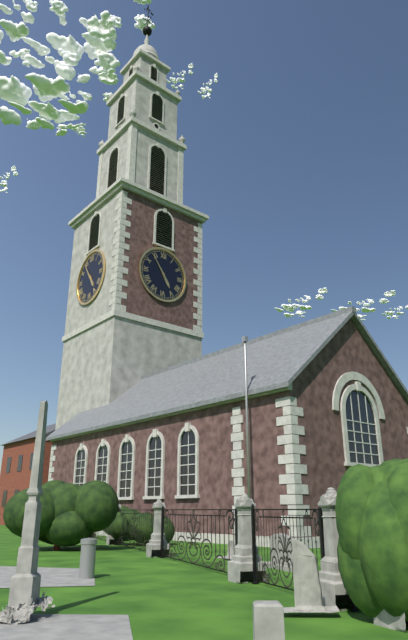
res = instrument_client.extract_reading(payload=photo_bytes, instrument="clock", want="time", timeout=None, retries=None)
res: 4:54
